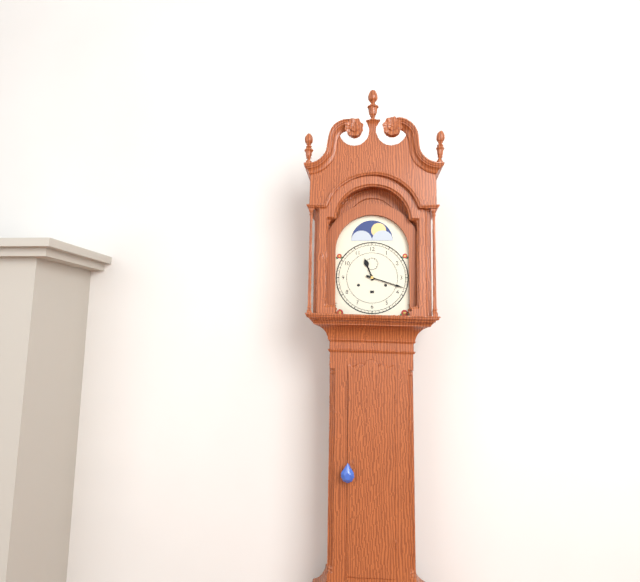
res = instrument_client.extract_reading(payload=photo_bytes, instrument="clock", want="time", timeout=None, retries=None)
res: 11:18
